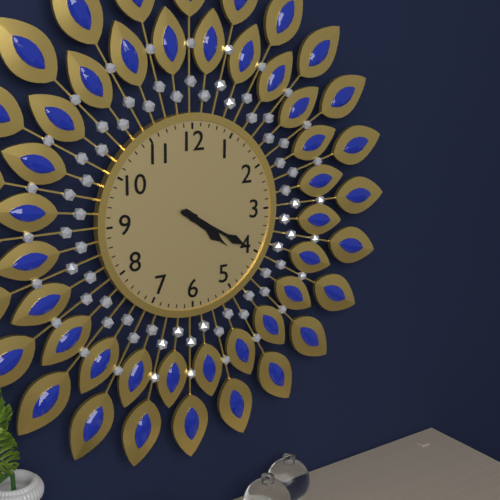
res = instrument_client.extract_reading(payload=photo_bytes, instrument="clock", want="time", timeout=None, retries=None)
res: 4:20
